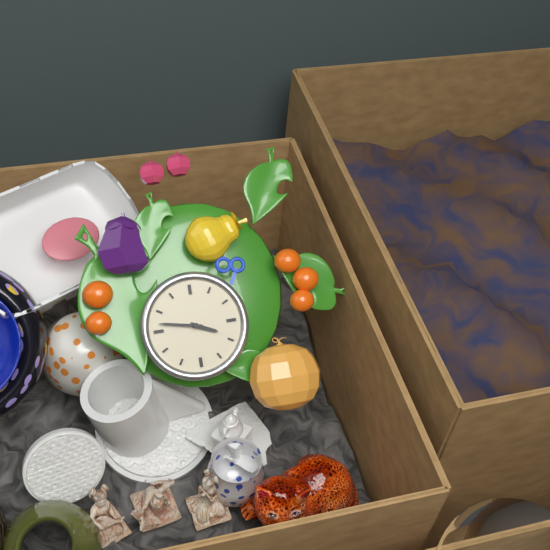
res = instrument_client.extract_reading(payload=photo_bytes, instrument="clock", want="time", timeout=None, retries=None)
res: 3:47
